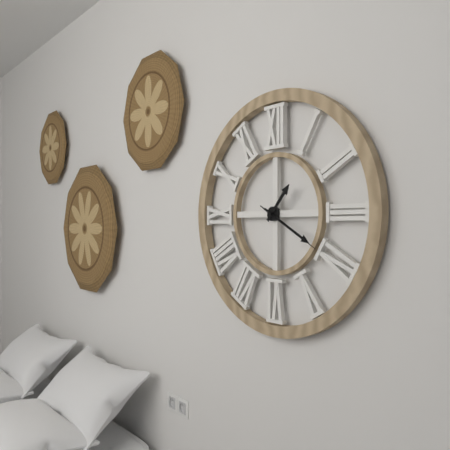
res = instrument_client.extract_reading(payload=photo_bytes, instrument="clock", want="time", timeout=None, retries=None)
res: 1:20:20
